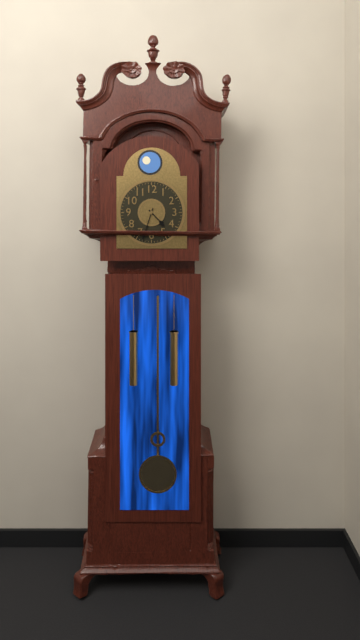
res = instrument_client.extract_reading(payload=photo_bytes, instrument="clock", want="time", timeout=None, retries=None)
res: 4:33
